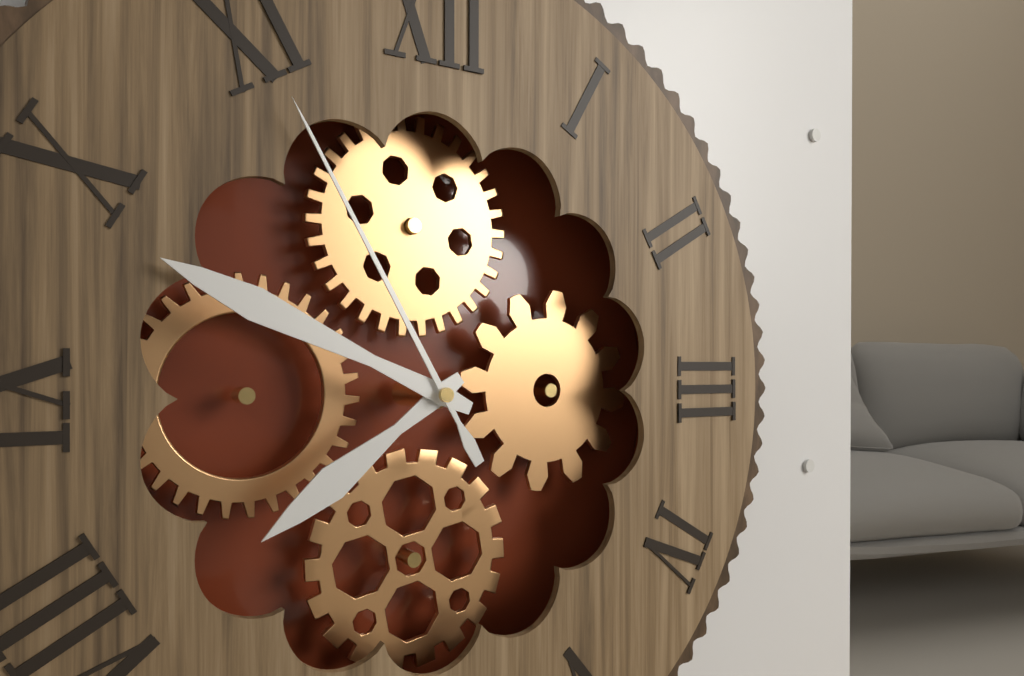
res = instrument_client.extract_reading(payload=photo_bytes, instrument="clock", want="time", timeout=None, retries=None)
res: 7:49:55
